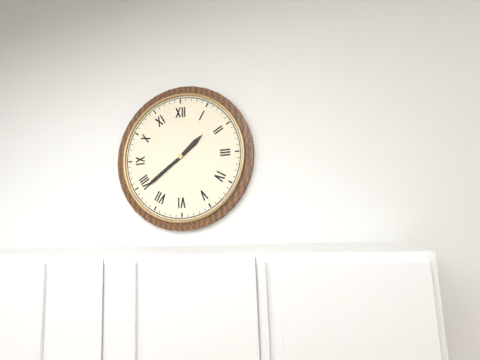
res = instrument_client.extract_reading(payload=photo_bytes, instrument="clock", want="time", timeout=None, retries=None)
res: 1:39
